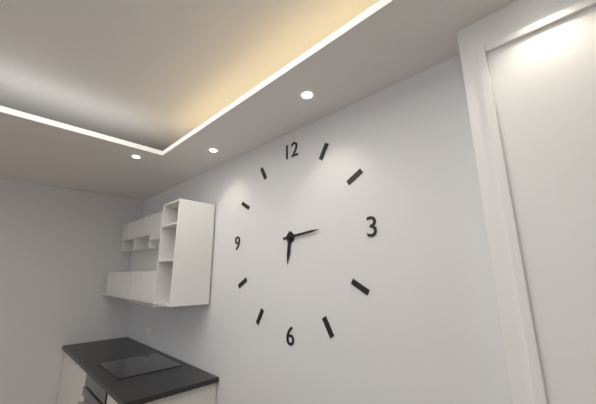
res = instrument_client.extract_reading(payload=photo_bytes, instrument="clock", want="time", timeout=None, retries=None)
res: 6:14
